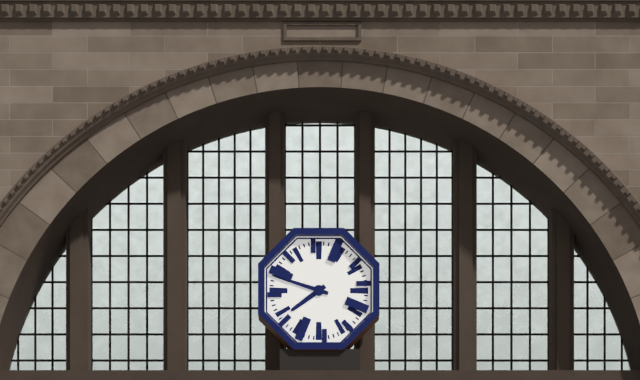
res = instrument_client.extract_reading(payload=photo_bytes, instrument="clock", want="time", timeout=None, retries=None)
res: 7:48
